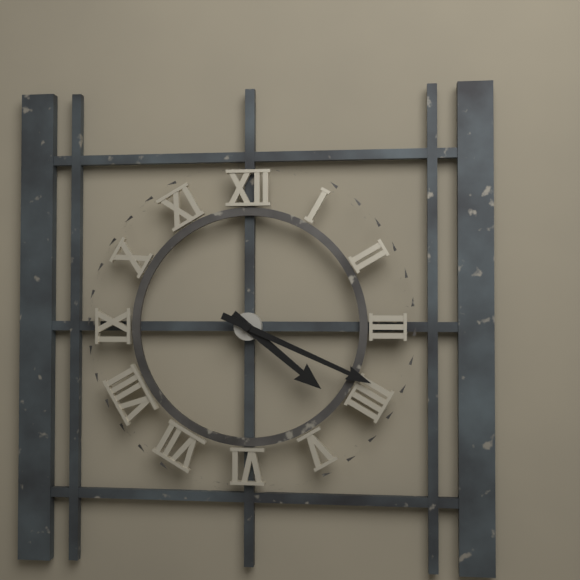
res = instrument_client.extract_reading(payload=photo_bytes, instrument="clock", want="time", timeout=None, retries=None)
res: 4:19
